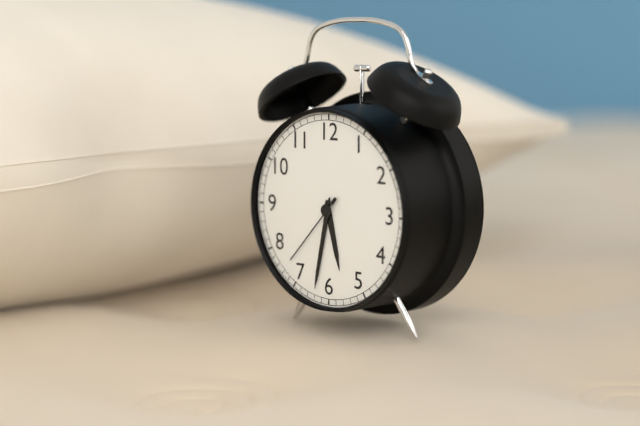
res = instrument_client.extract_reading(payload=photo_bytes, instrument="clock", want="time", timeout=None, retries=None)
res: 5:32:37
